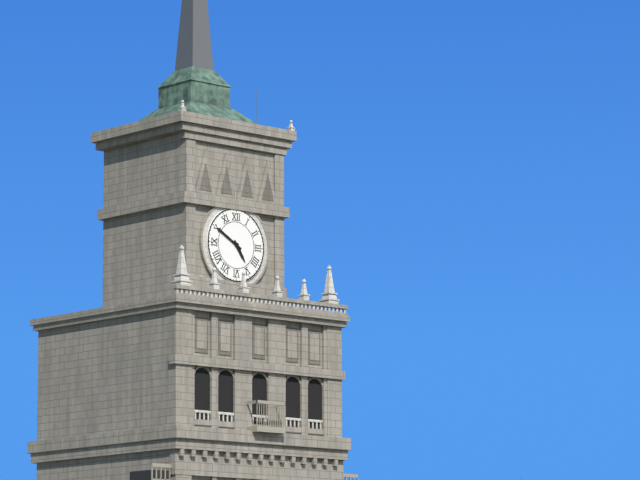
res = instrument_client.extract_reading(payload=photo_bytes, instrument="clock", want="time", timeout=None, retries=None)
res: 4:50
